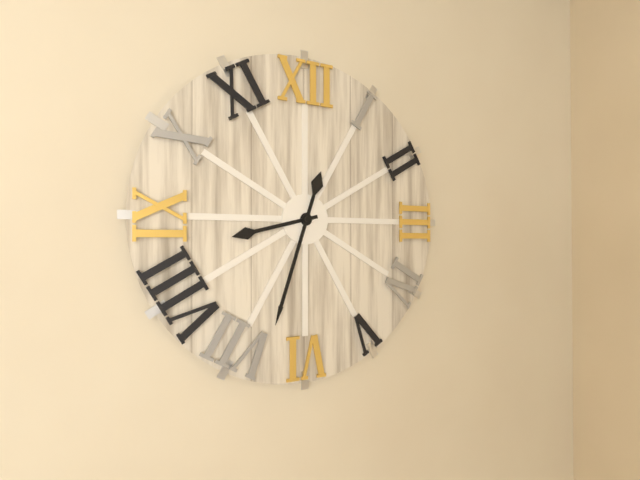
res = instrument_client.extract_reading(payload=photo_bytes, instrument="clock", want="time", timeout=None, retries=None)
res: 8:33
